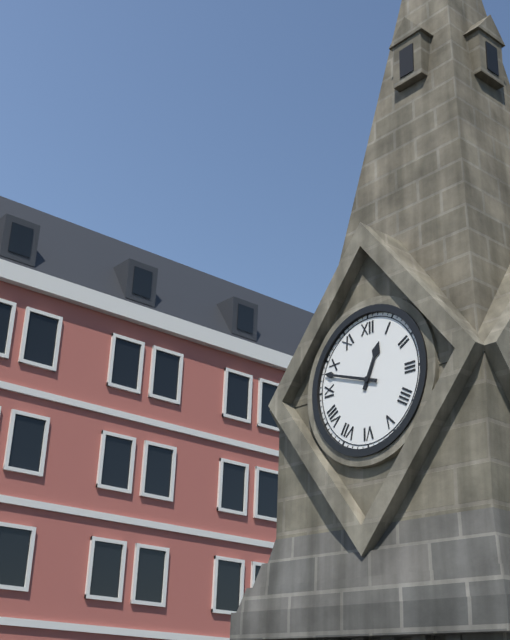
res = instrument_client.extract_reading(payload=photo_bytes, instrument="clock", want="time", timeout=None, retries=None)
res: 12:48
